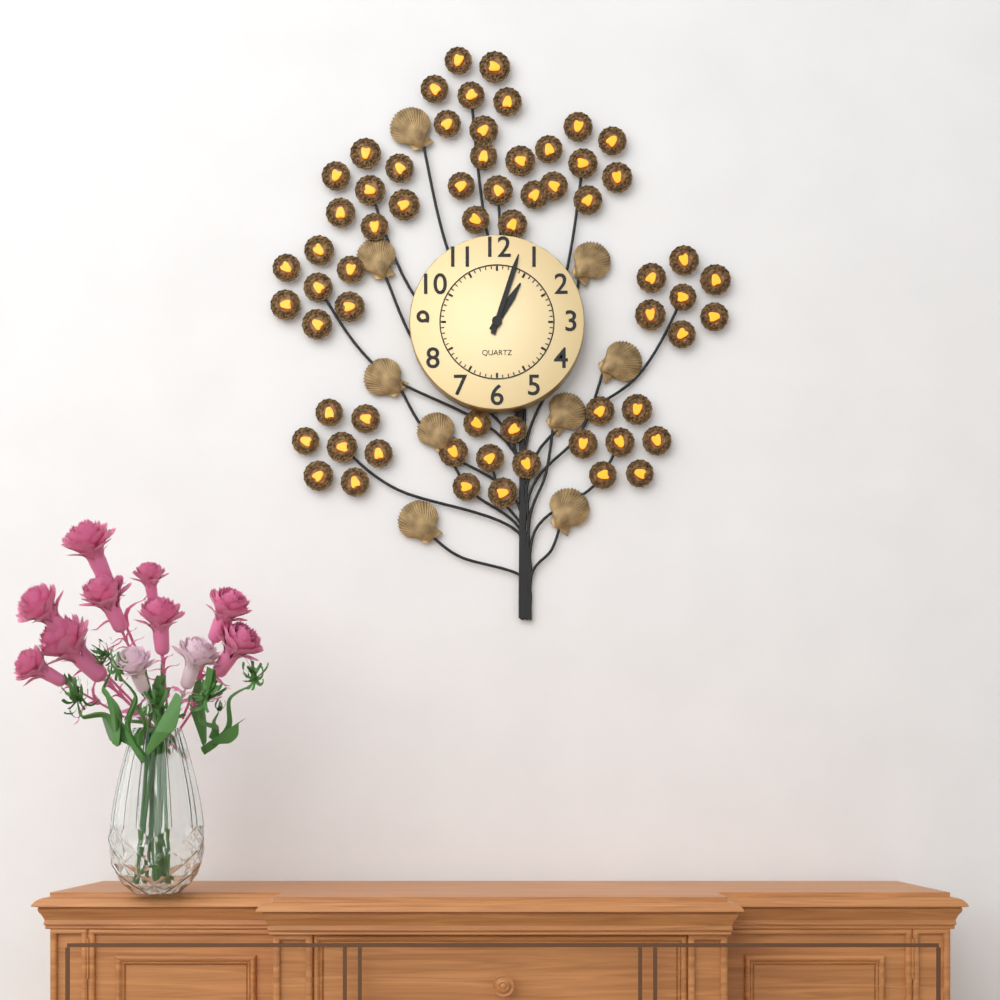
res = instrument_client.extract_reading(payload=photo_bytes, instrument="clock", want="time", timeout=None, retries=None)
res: 1:03
